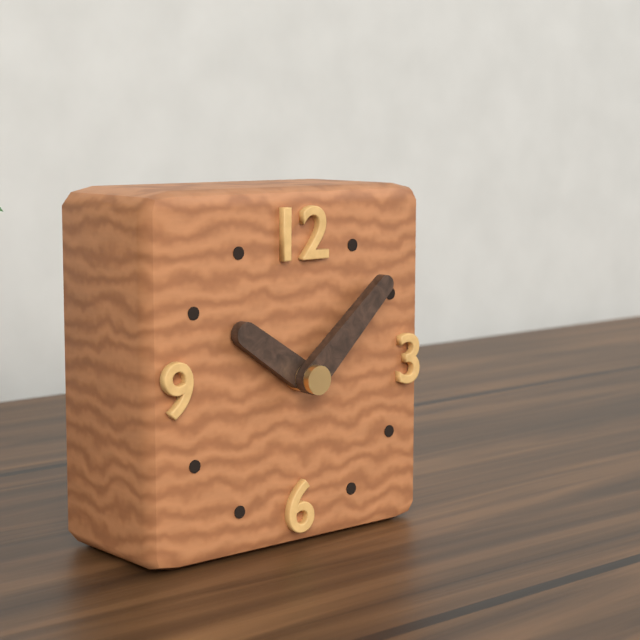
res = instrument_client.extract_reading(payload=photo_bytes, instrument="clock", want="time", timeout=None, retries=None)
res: 10:08
